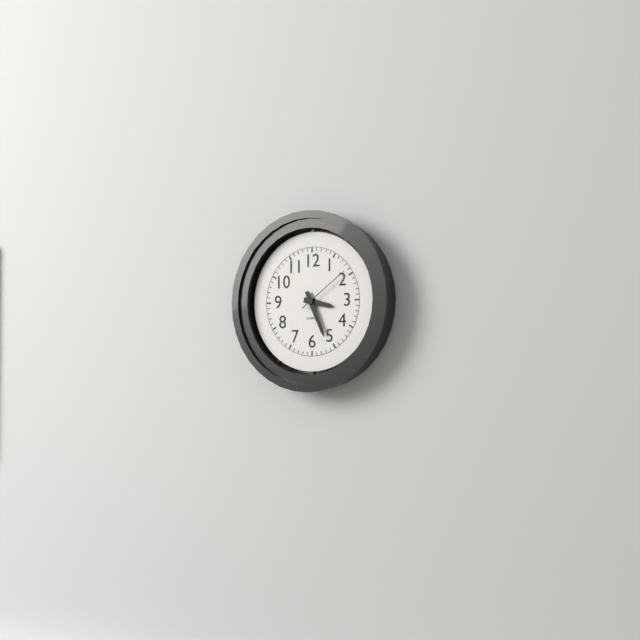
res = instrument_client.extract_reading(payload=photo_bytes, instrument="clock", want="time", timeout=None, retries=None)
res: 3:26:09
